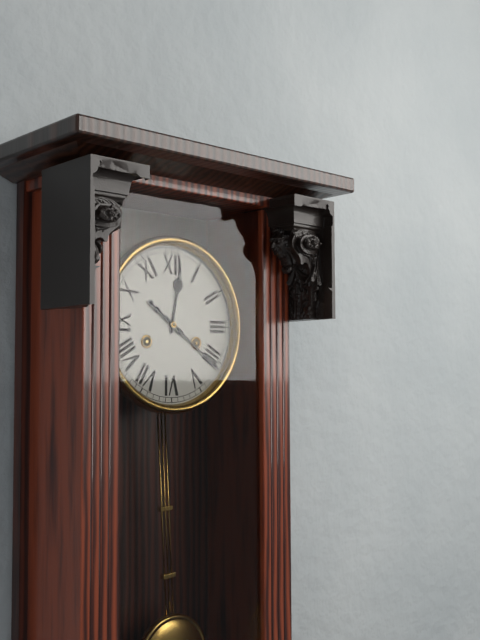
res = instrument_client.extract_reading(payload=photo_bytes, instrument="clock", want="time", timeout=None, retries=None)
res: 12:21
